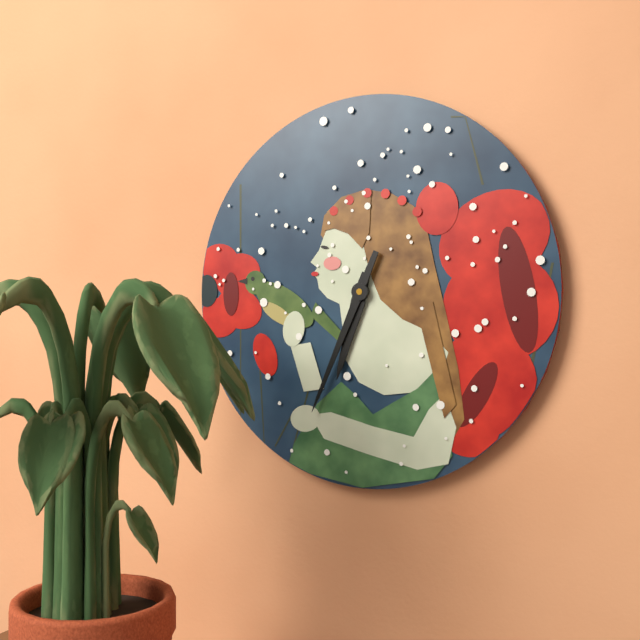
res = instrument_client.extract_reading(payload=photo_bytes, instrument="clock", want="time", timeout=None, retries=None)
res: 6:34
